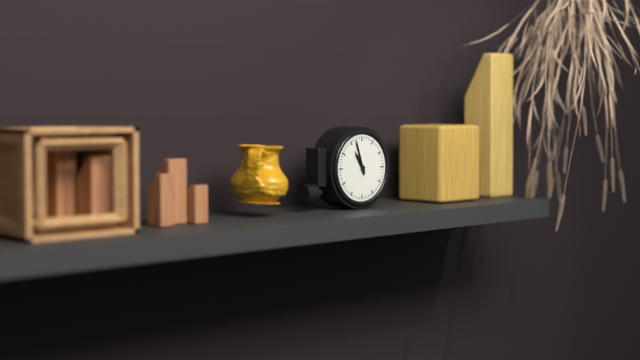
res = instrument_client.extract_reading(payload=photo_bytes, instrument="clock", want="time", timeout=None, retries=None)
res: 10:57
